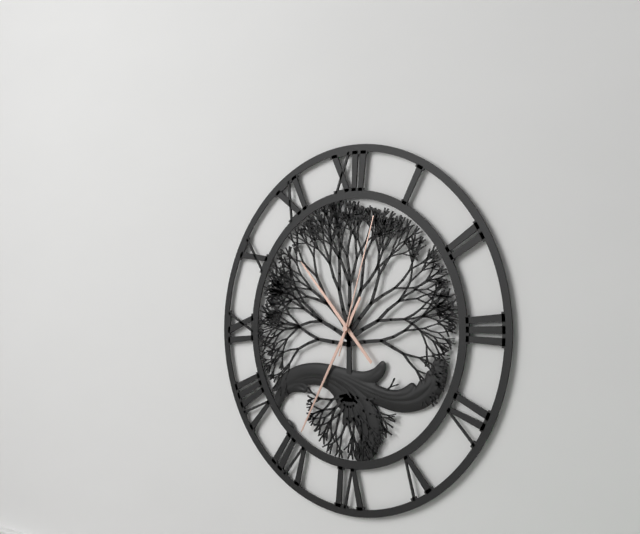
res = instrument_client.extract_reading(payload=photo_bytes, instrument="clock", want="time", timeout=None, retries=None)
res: 10:35:03
